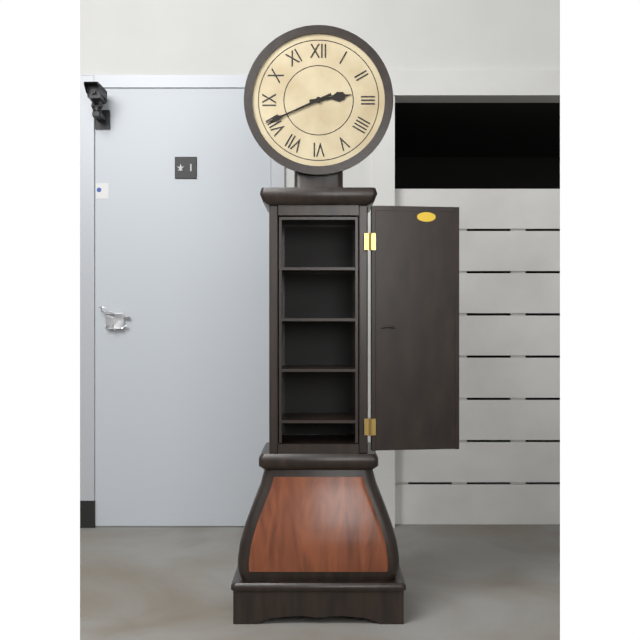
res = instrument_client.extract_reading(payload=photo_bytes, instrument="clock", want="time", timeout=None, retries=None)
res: 2:41
